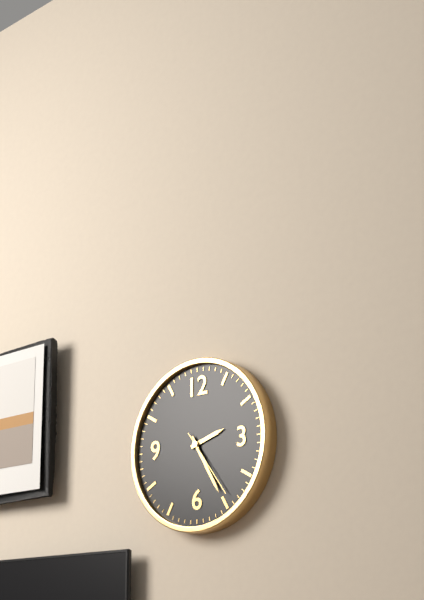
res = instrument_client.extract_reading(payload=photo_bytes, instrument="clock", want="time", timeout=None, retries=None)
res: 2:25:24
